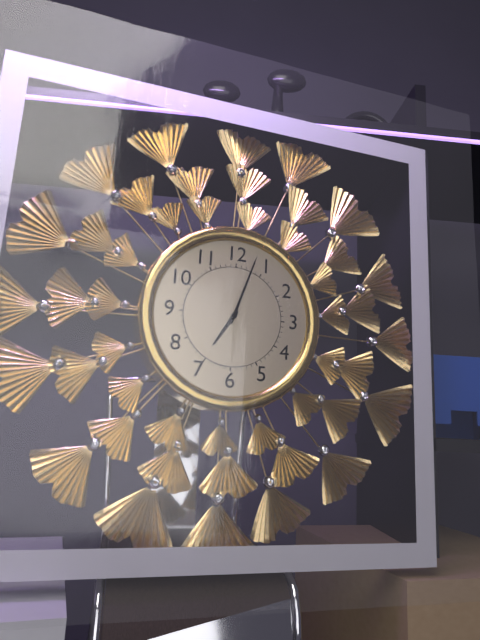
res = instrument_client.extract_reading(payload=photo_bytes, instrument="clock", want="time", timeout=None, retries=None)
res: 7:03
